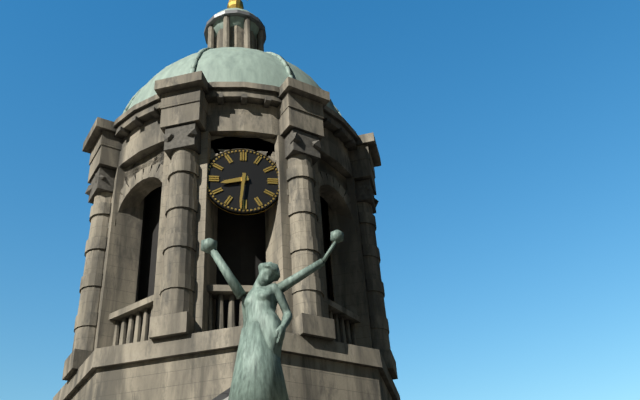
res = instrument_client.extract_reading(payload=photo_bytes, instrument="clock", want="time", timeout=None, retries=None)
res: 8:31
